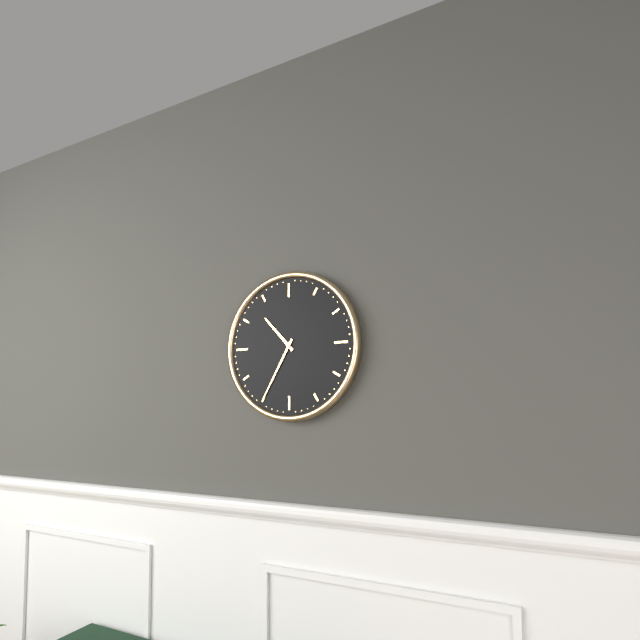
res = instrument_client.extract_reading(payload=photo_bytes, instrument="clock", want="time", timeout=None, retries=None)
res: 10:35
